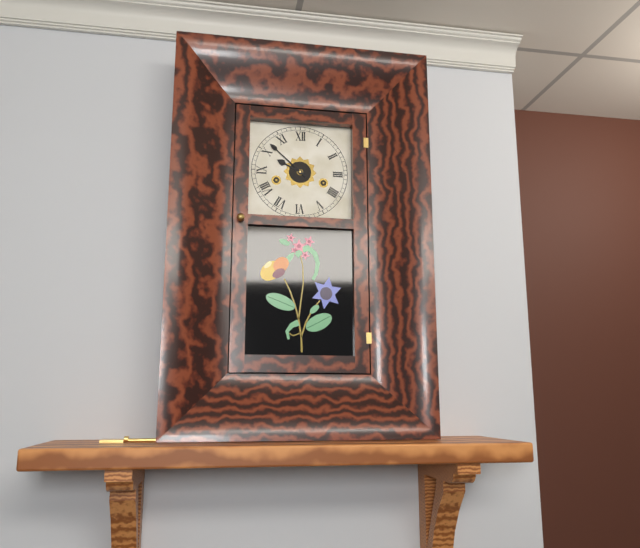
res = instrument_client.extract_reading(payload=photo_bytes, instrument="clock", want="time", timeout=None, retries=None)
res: 9:52
